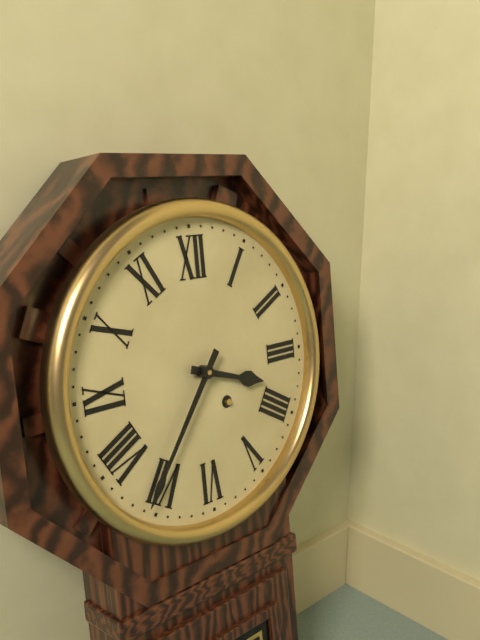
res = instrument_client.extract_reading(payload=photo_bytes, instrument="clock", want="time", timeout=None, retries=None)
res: 3:36
